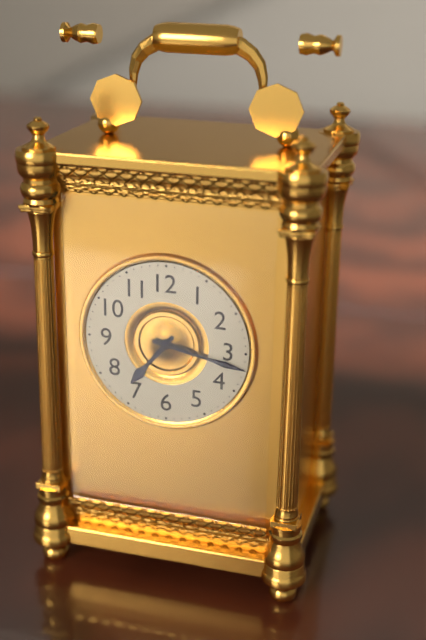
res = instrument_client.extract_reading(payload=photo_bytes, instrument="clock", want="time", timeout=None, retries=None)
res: 7:17
